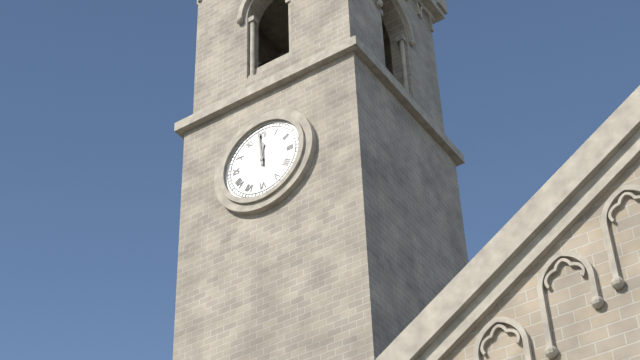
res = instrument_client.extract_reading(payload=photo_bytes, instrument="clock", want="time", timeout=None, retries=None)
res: 11:59
